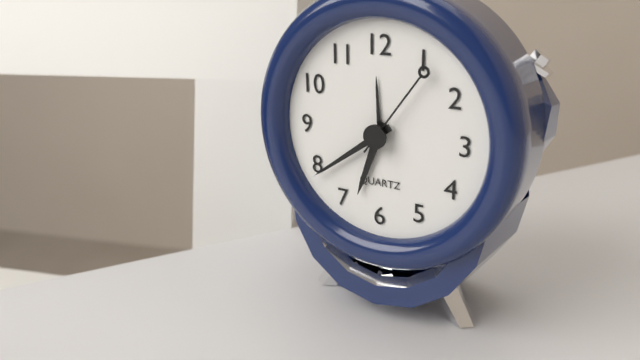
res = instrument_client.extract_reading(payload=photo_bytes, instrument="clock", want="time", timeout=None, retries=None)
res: 6:39:06
